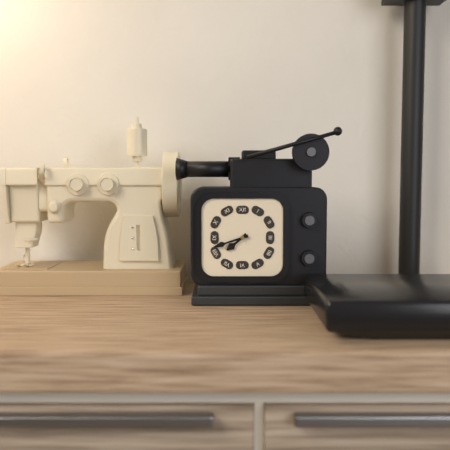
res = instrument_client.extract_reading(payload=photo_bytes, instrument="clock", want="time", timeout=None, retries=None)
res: 7:42
